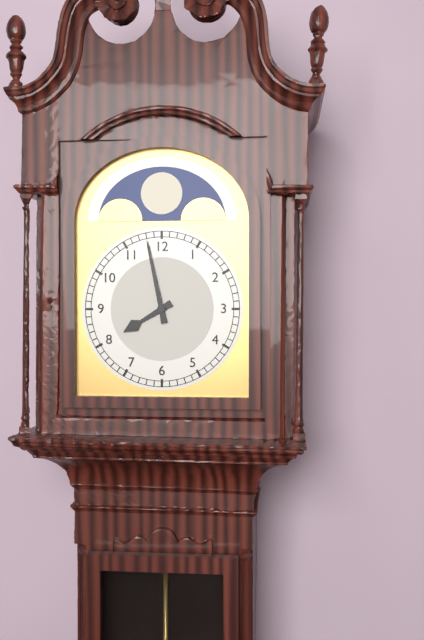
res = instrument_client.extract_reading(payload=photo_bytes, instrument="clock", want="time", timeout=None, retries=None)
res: 7:58
